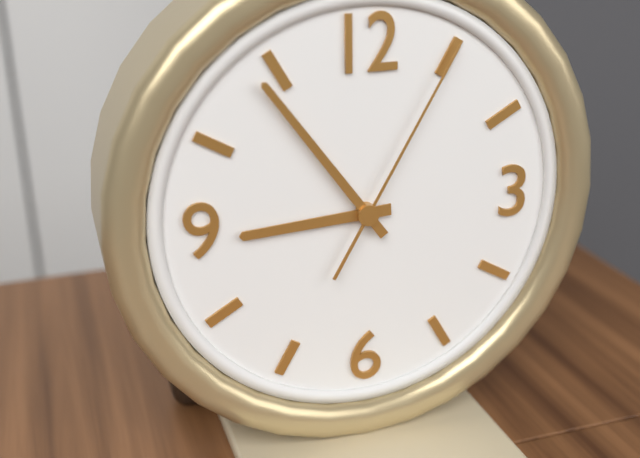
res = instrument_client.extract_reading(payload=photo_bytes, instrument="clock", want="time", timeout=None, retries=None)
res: 8:54:05
